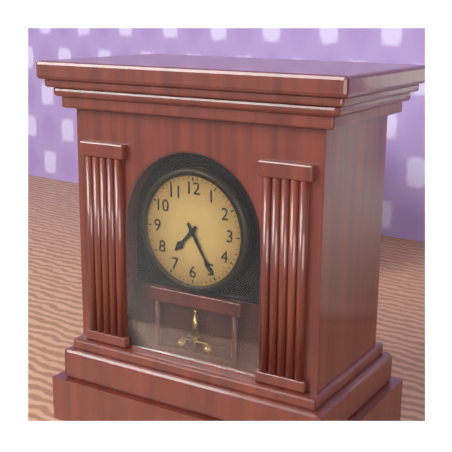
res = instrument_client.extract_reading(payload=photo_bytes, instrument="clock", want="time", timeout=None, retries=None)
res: 7:25
